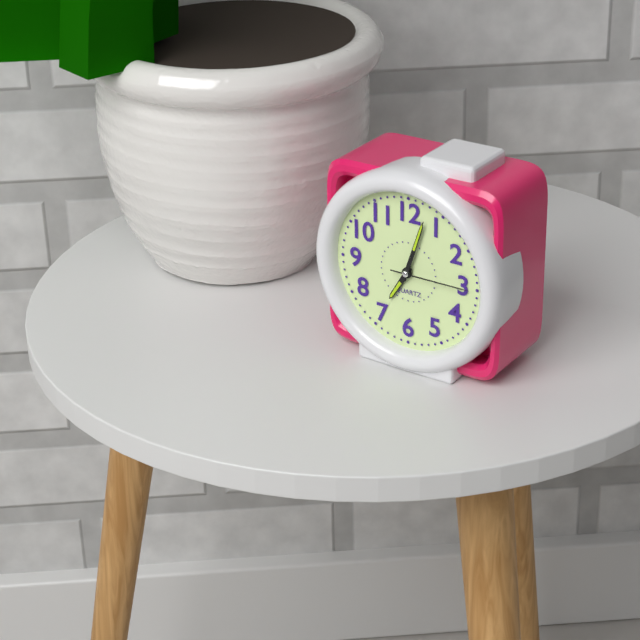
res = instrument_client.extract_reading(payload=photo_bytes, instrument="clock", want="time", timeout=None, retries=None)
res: 7:03:15
